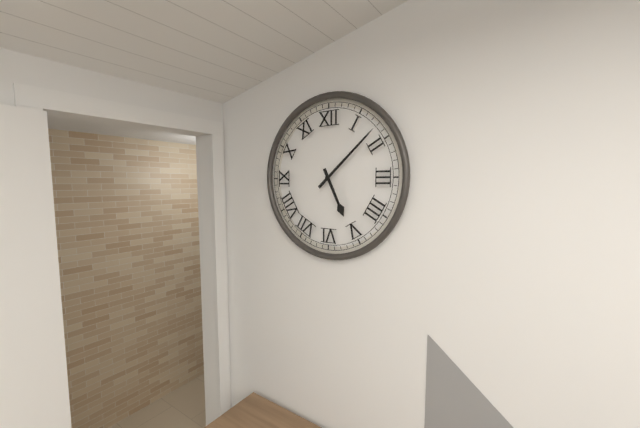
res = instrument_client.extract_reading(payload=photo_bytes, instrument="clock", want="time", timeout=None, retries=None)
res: 5:08
